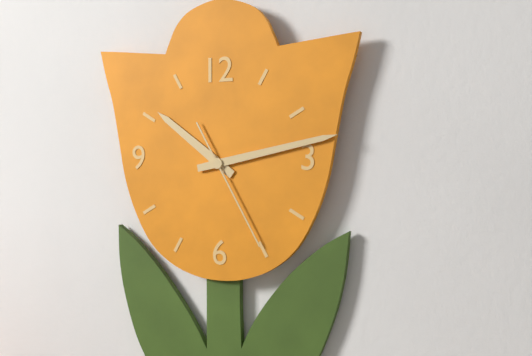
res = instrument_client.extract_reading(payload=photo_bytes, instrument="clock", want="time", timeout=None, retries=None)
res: 10:13:25
